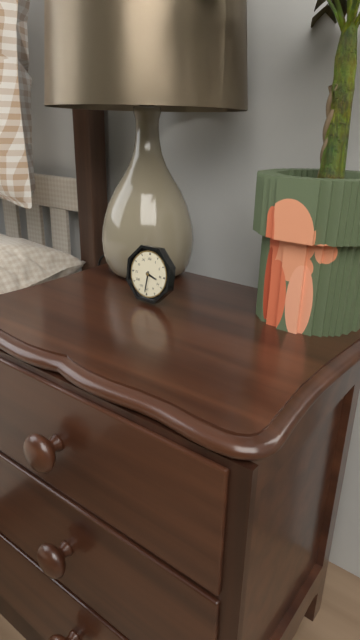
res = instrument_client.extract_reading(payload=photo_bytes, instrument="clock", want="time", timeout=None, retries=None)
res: 3:31
